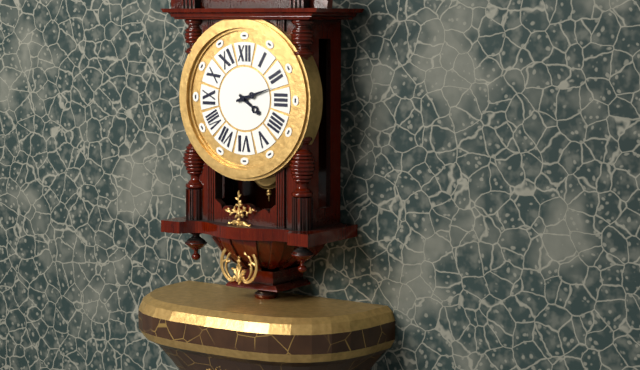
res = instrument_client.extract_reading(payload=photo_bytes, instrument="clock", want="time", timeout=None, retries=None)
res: 4:12
